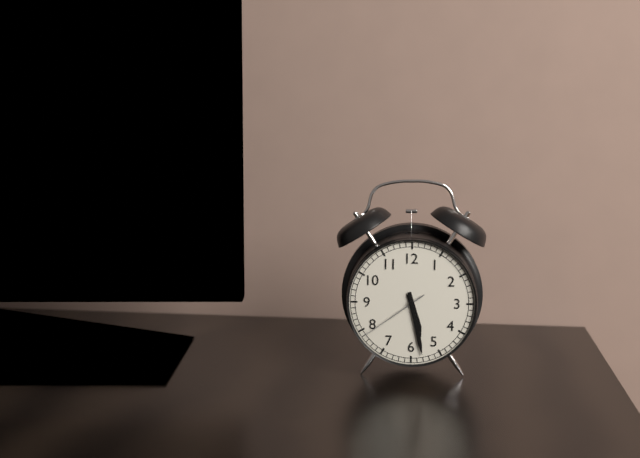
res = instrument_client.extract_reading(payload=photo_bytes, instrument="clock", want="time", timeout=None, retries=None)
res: 5:28:39
